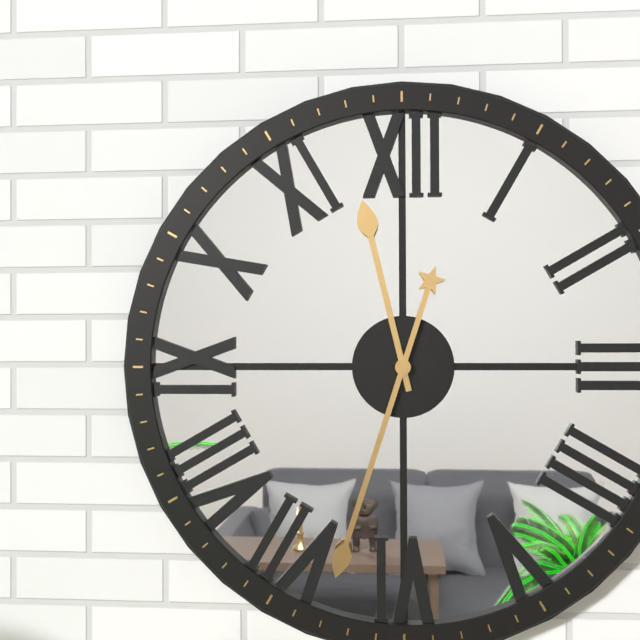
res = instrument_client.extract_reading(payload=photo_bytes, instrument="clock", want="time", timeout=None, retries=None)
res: 11:33
